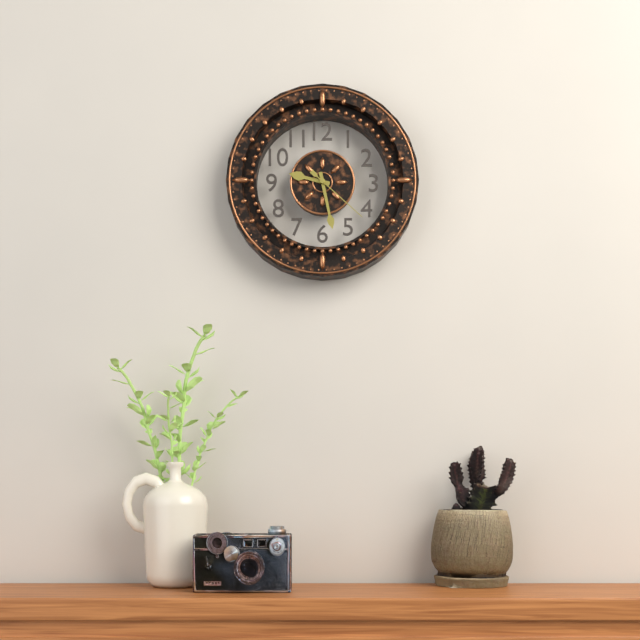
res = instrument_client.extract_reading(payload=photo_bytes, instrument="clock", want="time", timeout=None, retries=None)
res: 9:28:22
